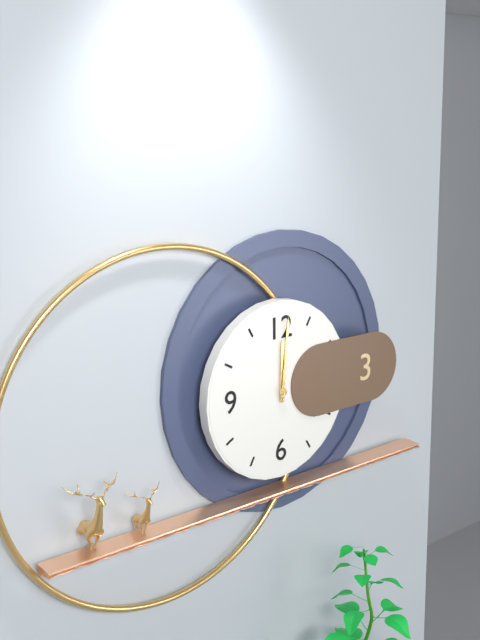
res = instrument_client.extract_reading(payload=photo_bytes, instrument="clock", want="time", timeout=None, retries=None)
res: 12:01
